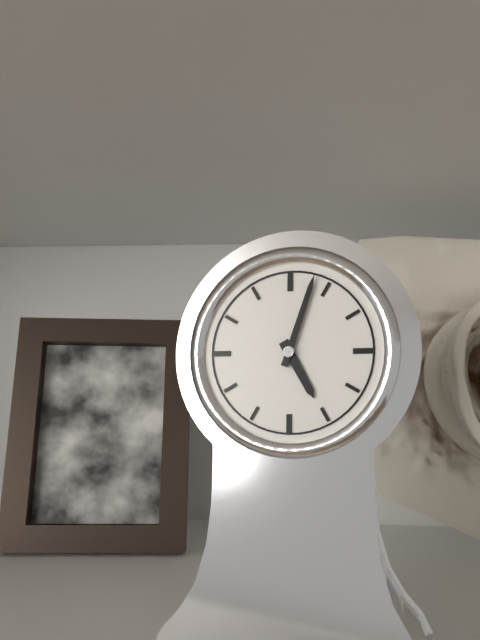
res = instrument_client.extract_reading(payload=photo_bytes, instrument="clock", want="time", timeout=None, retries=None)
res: 5:03
